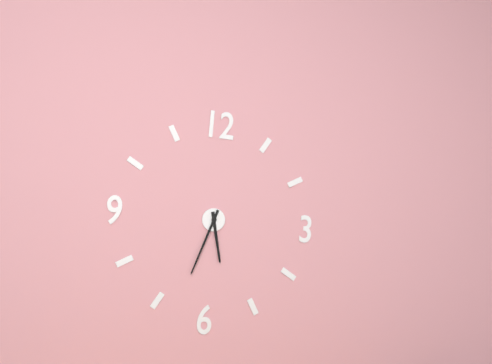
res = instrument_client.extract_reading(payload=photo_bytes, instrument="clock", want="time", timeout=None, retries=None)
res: 5:33
